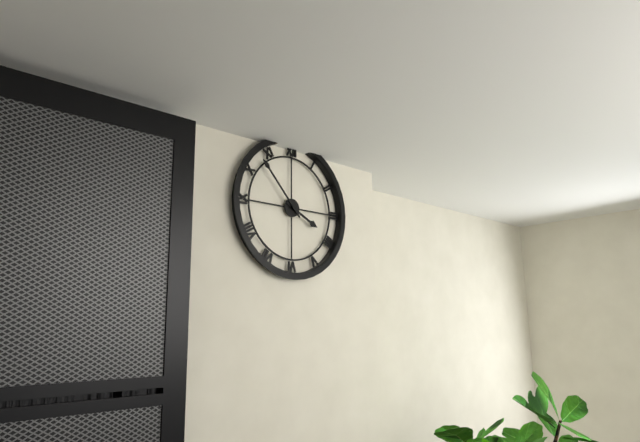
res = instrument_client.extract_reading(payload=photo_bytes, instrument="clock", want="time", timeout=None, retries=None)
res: 3:53
